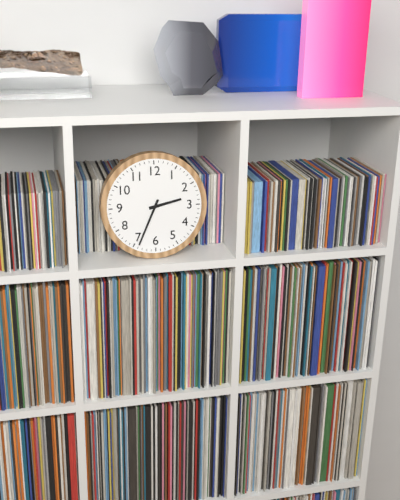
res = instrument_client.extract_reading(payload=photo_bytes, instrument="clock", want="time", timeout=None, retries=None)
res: 2:34
